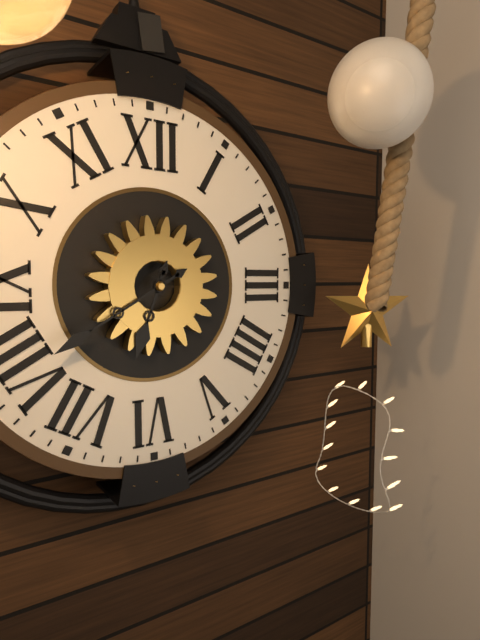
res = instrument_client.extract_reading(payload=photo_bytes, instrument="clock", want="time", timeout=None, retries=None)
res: 6:40
